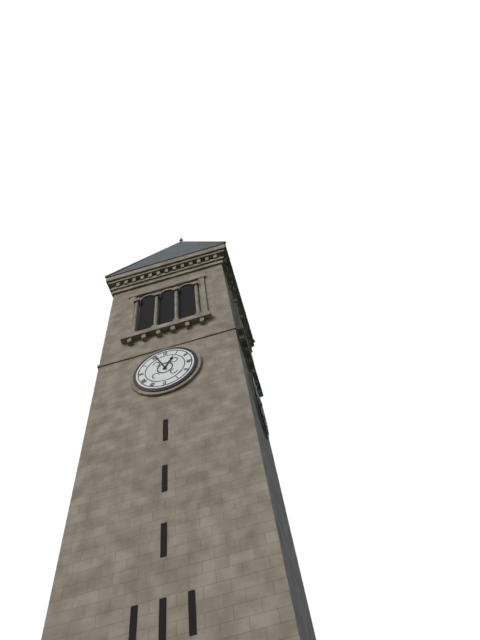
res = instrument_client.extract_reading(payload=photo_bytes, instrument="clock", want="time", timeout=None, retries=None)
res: 12:56
